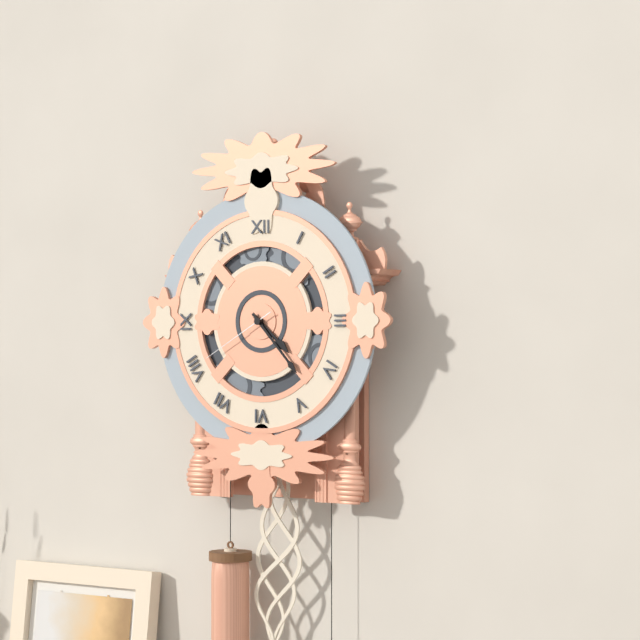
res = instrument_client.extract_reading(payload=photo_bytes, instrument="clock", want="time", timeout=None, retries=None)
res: 4:23:40
